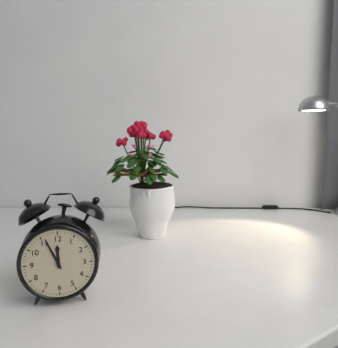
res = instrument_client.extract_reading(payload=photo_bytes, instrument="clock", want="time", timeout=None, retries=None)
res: 11:56
